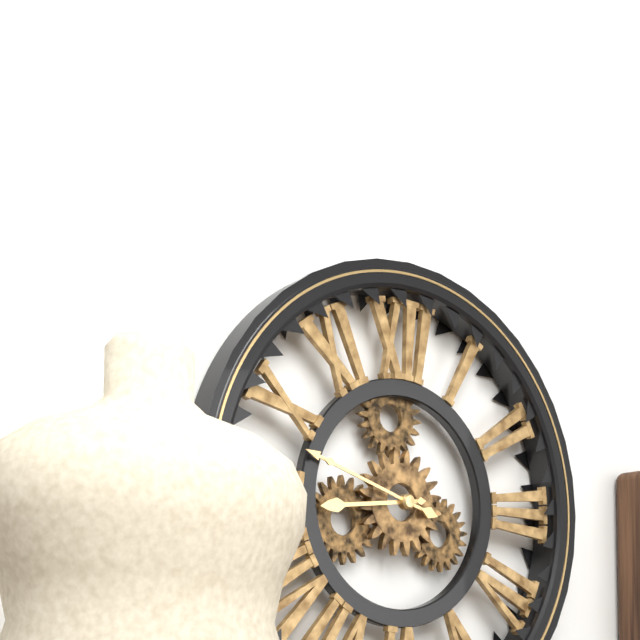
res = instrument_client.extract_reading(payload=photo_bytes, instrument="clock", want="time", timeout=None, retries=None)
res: 8:48
